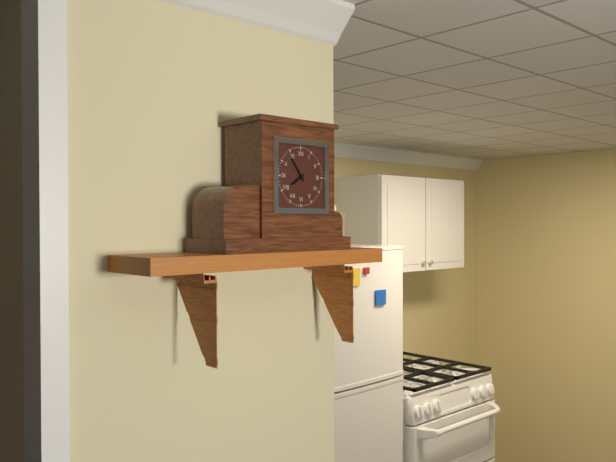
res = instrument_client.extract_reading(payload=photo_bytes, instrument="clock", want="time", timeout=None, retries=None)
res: 7:54
